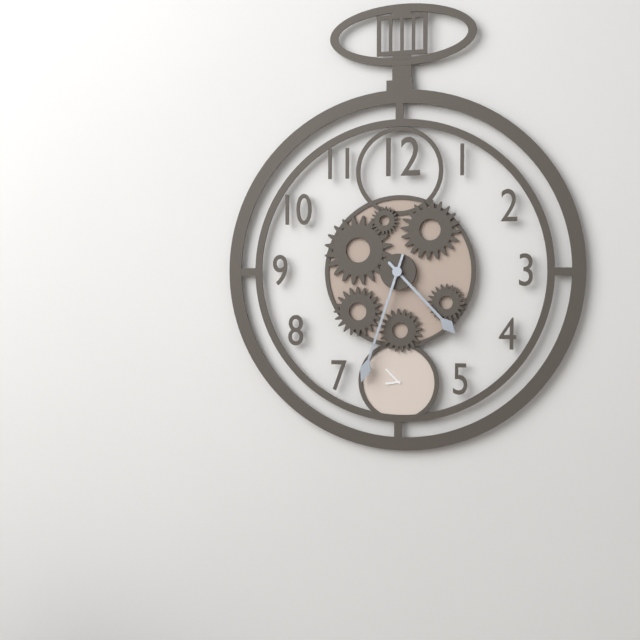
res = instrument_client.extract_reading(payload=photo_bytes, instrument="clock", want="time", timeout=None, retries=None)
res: 4:33
